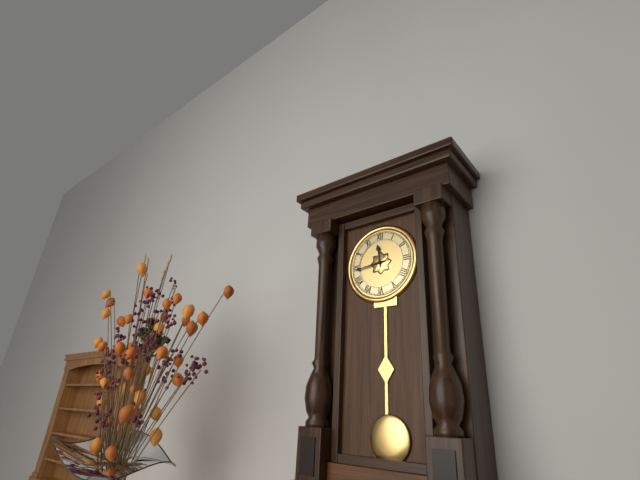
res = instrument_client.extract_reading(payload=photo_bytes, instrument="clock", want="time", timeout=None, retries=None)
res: 11:44
